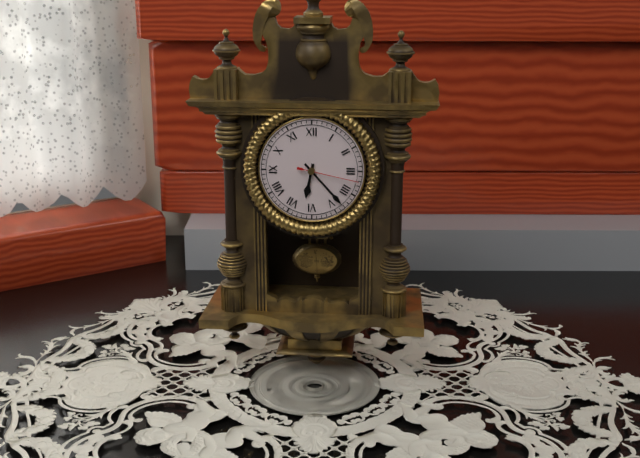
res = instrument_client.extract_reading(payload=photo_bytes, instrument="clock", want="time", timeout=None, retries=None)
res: 6:23:17
